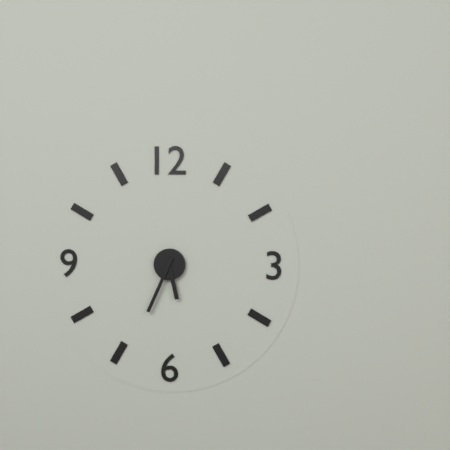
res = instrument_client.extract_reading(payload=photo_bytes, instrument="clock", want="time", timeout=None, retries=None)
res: 5:34
